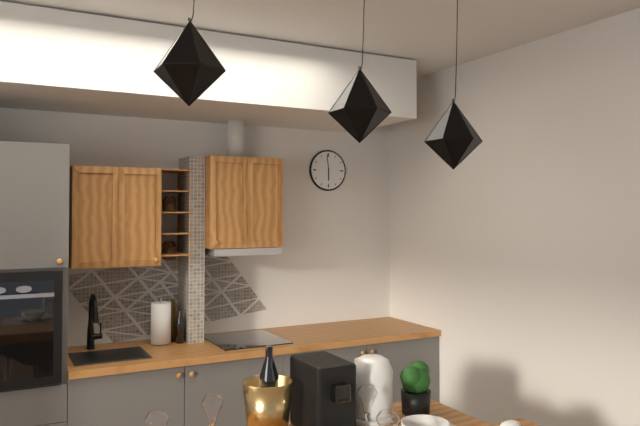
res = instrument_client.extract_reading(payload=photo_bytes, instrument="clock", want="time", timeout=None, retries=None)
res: 5:59
